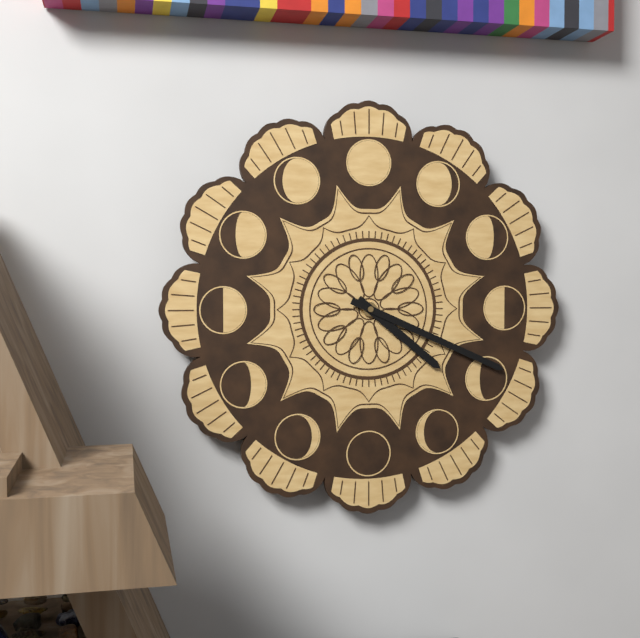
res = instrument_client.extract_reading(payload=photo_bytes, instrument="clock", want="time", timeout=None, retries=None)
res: 4:19
